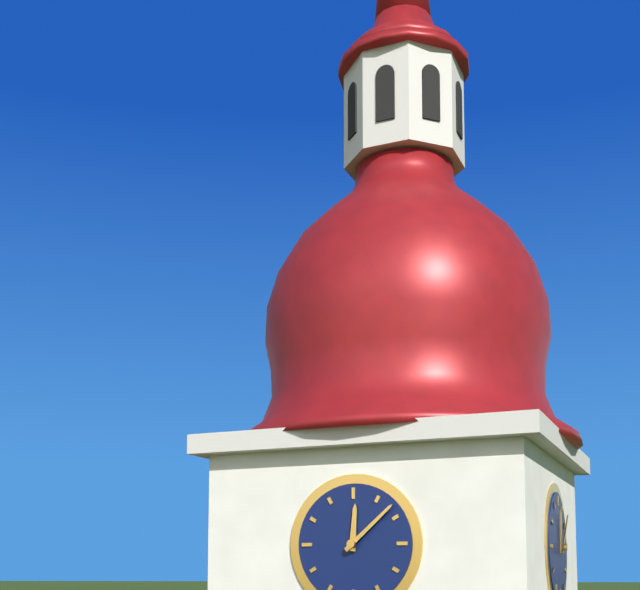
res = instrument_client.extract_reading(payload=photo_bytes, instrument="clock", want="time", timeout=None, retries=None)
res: 12:08
